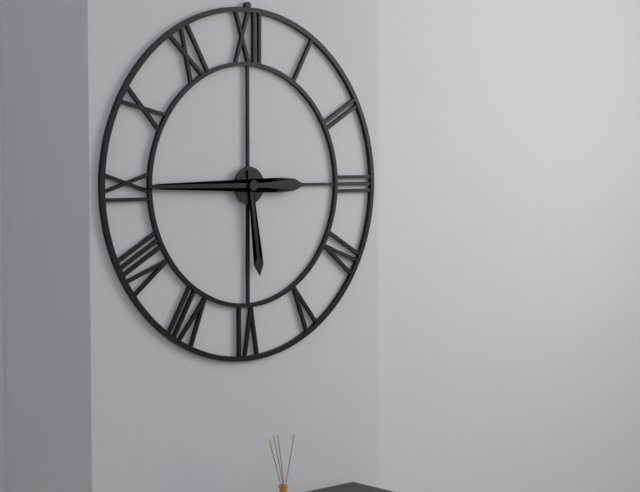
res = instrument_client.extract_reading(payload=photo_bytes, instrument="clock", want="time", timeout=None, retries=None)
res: 5:45
